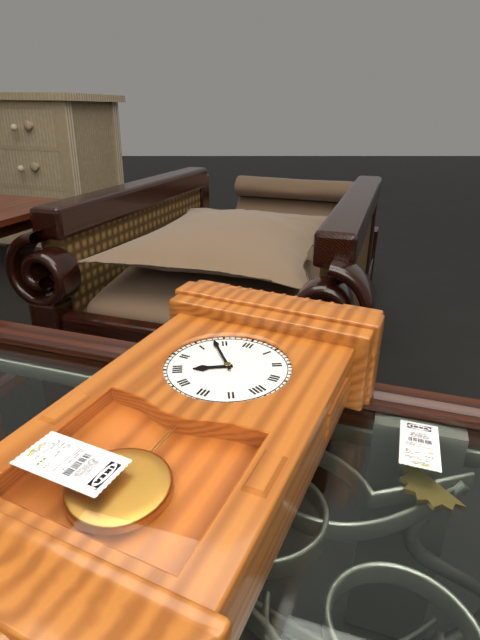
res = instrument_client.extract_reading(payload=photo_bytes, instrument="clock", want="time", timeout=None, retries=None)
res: 7:53
